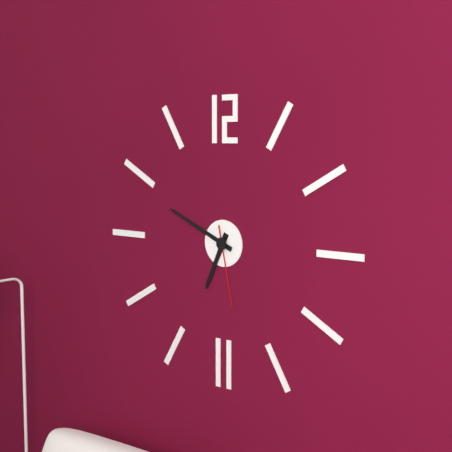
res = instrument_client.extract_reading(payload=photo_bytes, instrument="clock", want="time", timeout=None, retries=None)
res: 6:49:28
